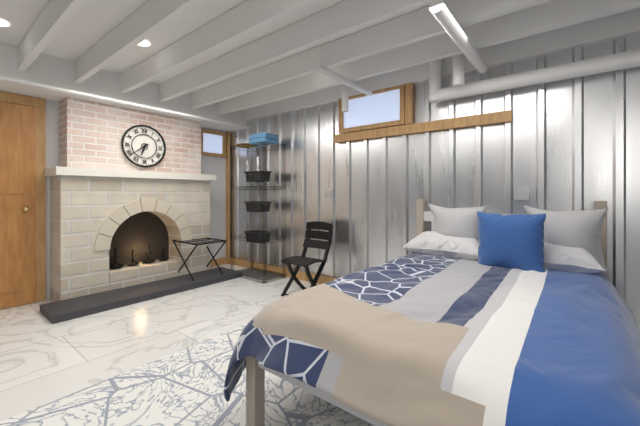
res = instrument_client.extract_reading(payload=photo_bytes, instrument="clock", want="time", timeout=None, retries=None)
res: 6:39
